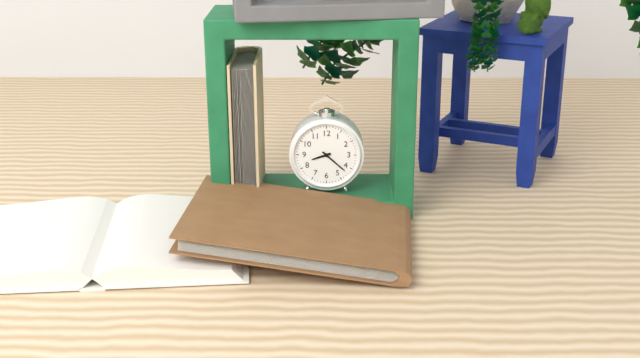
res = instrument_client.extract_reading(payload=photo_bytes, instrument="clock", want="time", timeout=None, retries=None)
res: 8:22
